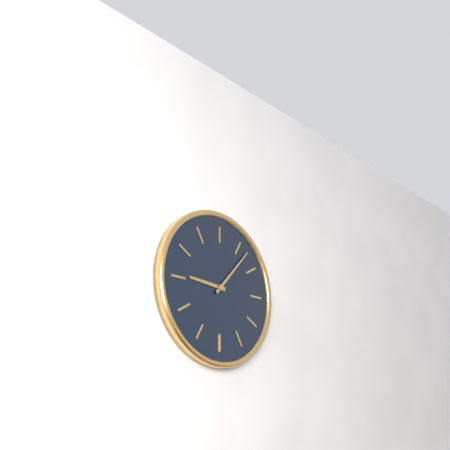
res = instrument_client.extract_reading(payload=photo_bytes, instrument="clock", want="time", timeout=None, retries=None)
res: 9:07
